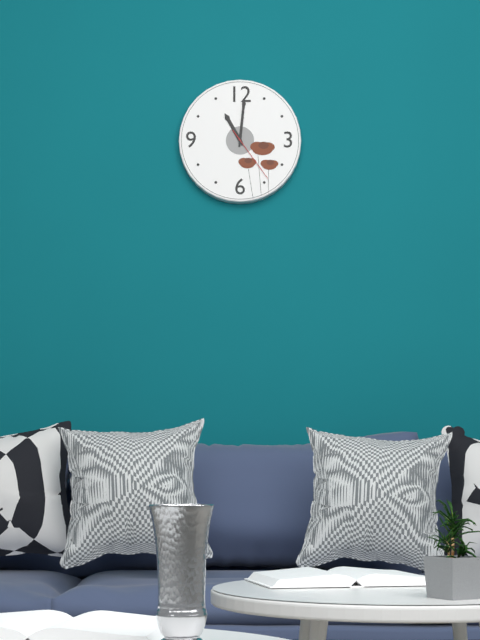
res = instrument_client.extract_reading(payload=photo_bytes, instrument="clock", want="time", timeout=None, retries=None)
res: 11:01:24
